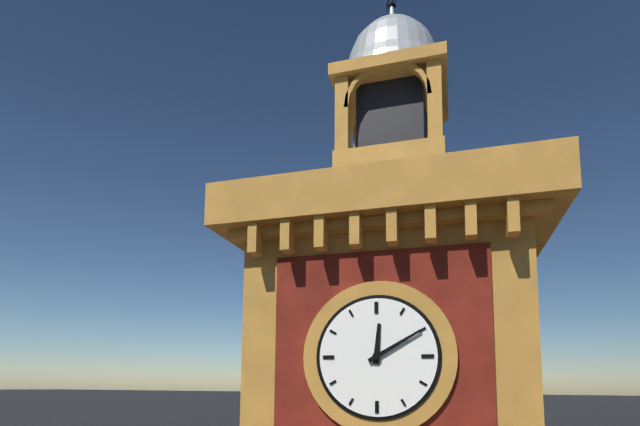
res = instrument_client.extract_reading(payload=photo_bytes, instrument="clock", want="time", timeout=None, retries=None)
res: 12:10
